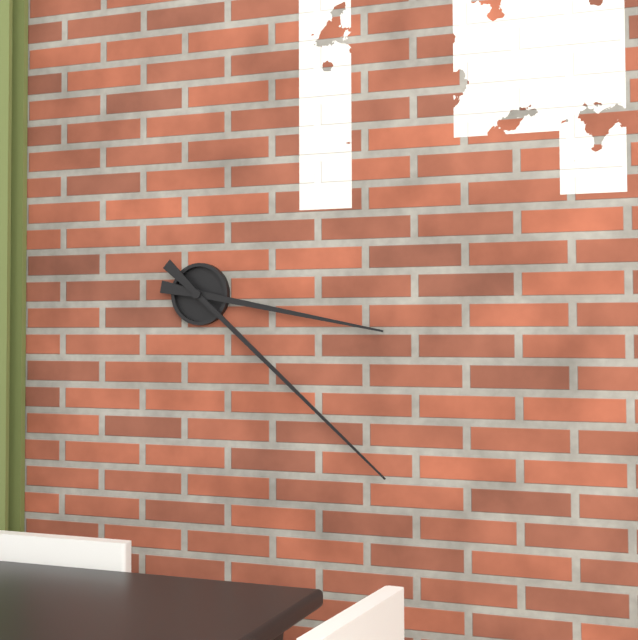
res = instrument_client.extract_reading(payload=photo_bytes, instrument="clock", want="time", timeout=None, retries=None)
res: 3:22
